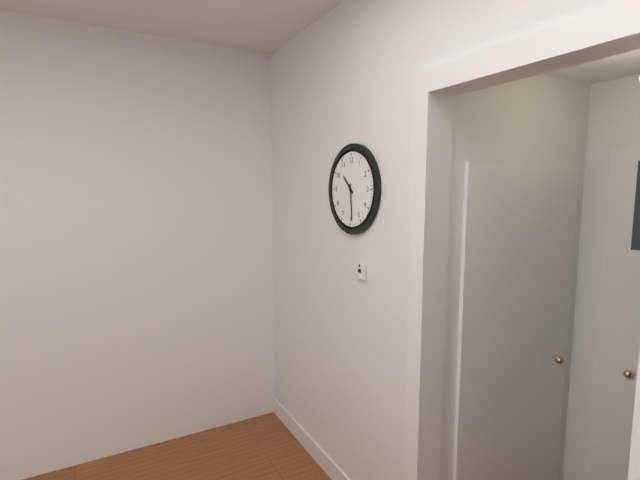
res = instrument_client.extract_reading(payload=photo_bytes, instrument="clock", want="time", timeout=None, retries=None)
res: 10:29
